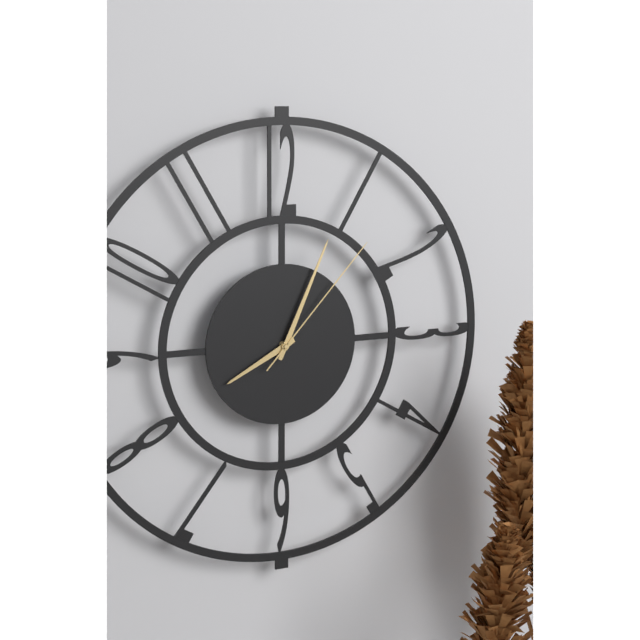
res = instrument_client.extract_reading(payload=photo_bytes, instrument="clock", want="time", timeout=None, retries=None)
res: 8:04:07
